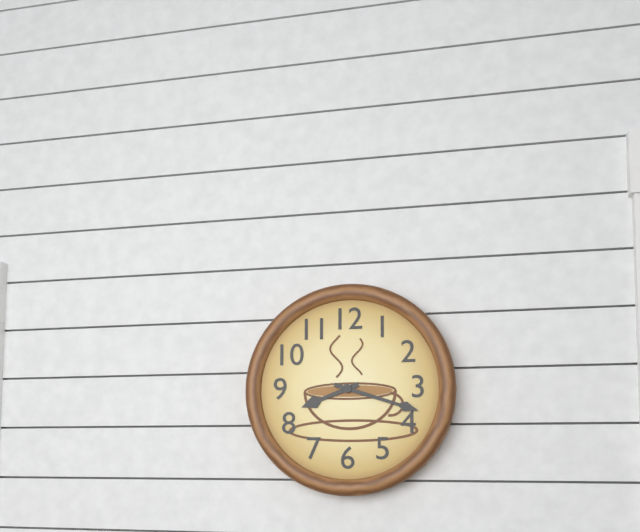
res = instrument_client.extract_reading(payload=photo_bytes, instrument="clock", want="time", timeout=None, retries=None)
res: 8:18
